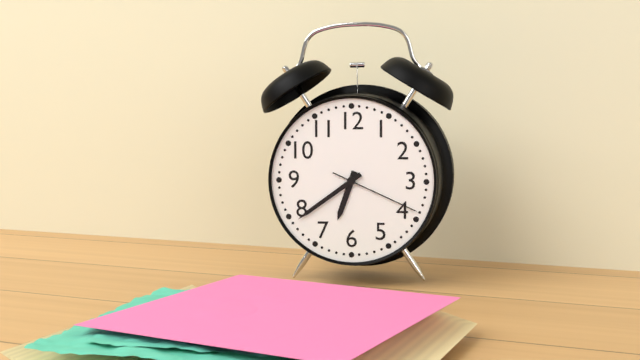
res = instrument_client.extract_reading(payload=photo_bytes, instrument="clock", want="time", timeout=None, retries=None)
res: 6:39:19
